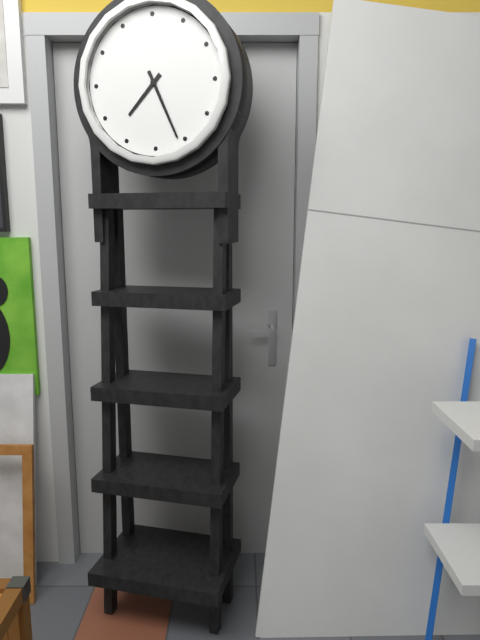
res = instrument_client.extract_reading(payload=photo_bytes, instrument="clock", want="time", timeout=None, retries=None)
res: 7:26
